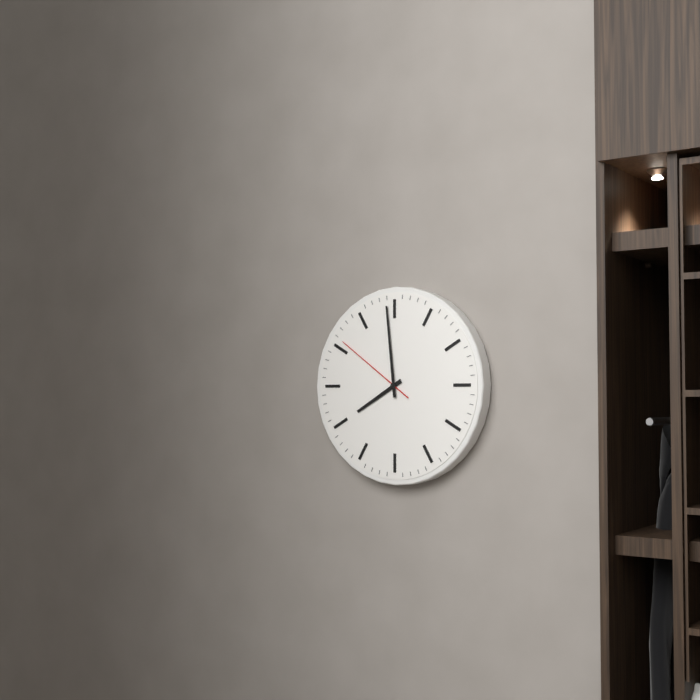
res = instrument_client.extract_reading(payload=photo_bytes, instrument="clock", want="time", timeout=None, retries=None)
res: 7:59:51
